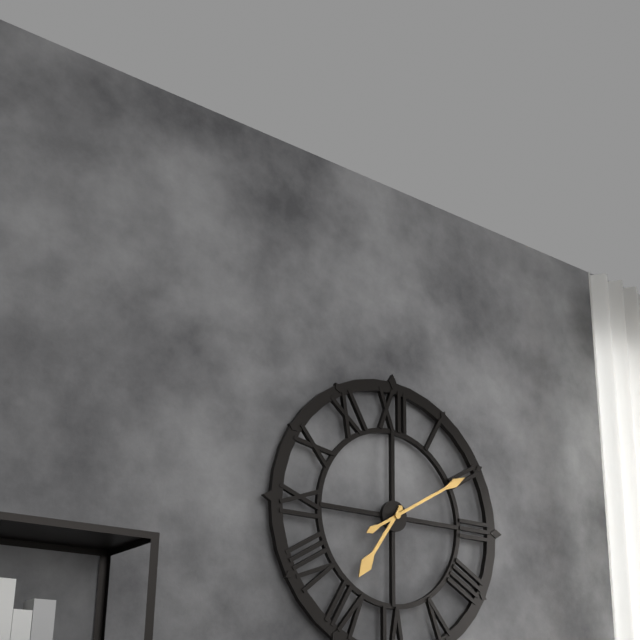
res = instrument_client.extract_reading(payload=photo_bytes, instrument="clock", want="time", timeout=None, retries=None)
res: 7:10
